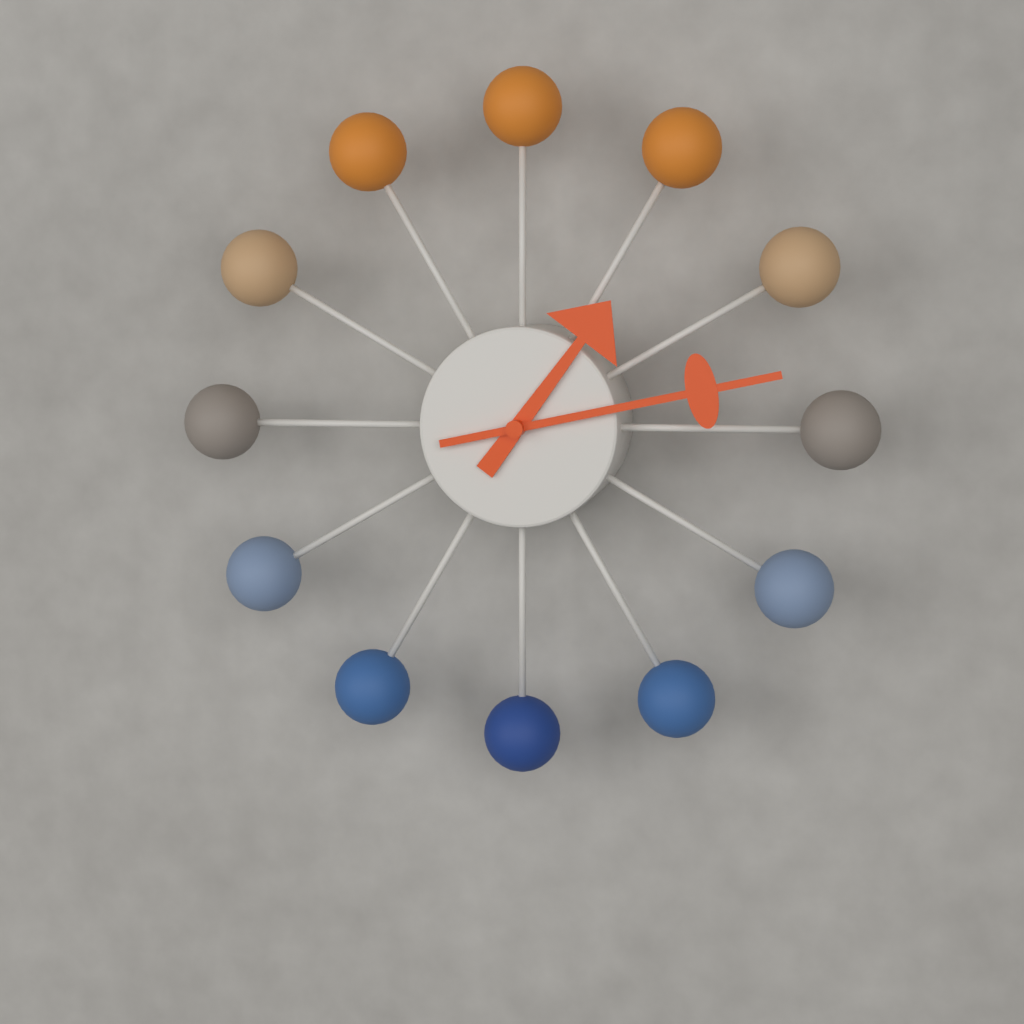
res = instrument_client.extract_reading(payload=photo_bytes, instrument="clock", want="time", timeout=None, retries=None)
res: 1:13
